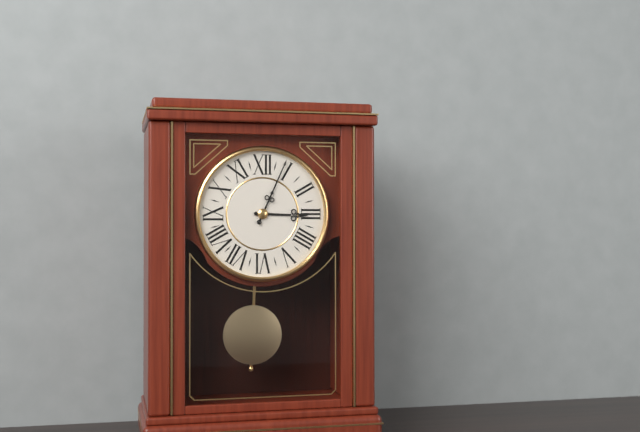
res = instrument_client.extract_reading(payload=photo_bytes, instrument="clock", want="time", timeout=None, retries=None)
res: 3:04
